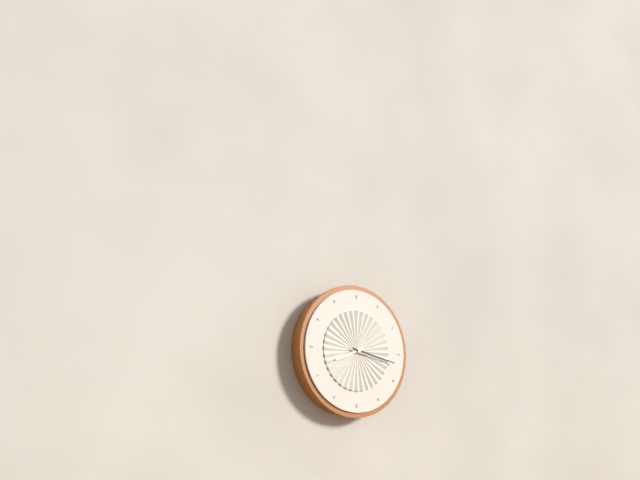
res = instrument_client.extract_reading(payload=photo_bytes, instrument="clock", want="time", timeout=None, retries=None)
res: 8:17
